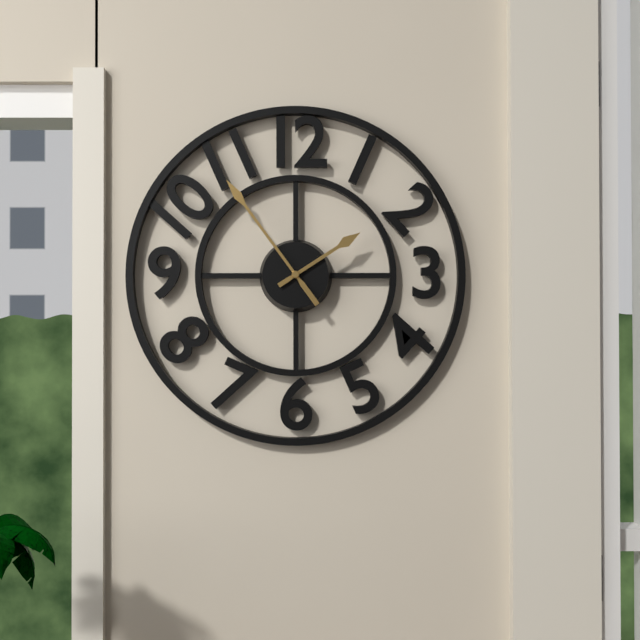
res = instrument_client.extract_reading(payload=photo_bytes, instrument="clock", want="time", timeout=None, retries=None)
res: 1:54
